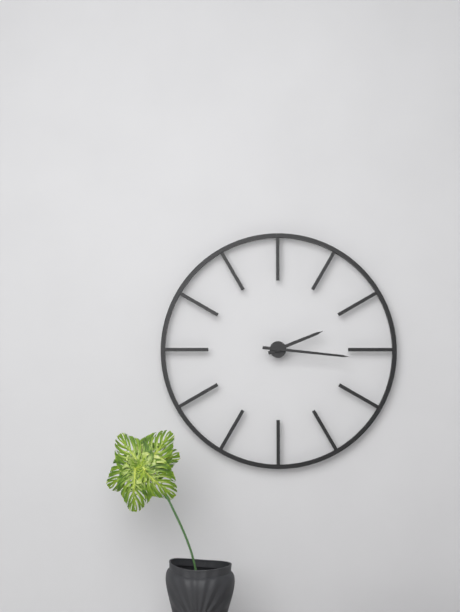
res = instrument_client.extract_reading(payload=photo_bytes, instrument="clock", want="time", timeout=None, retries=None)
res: 2:16
